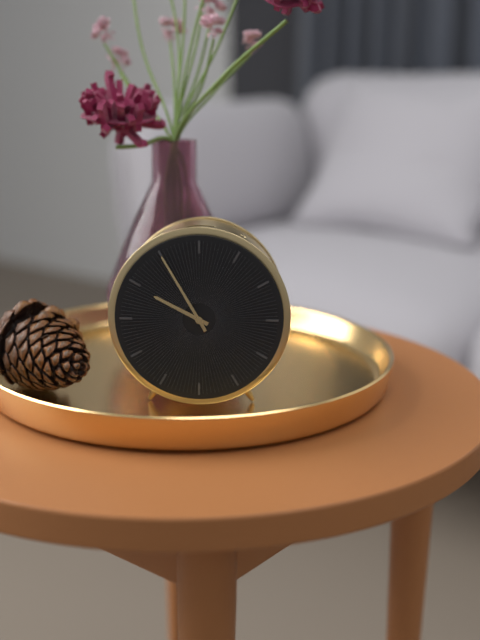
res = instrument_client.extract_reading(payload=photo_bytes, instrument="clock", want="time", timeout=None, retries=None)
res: 9:55
